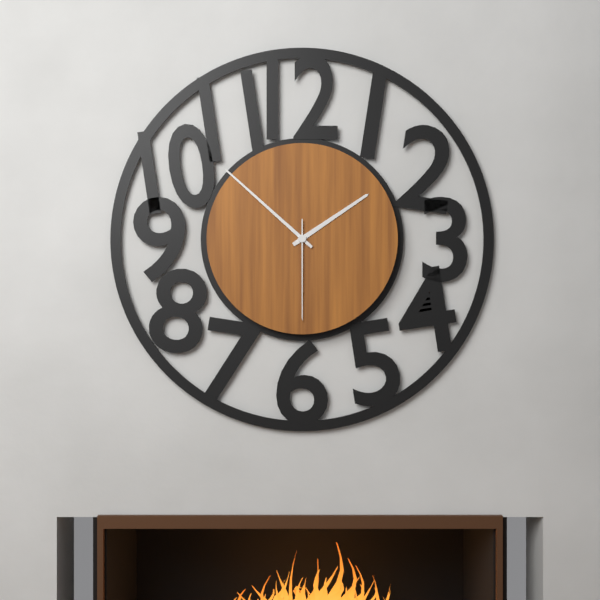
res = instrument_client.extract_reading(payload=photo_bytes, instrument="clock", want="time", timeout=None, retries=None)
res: 1:52:30
